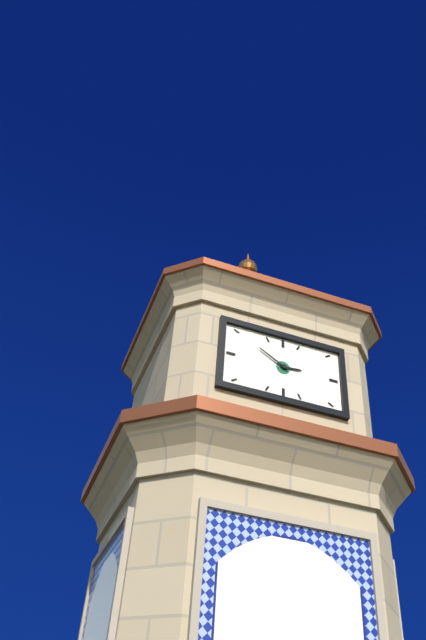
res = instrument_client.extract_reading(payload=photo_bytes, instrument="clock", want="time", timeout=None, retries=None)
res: 2:50
